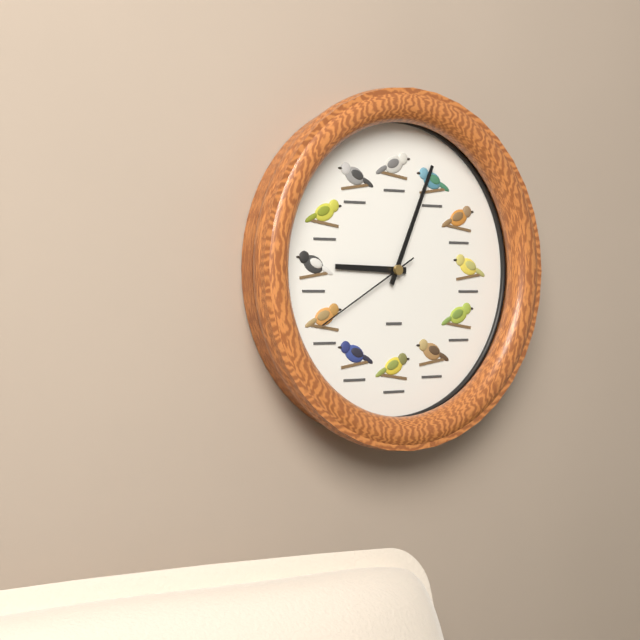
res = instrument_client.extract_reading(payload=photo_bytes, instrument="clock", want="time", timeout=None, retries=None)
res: 9:04:40
